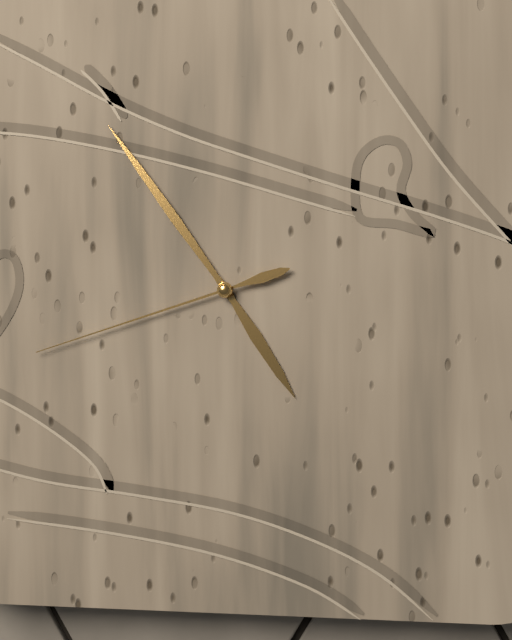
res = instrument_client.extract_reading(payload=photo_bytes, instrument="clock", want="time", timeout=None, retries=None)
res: 4:54:42
